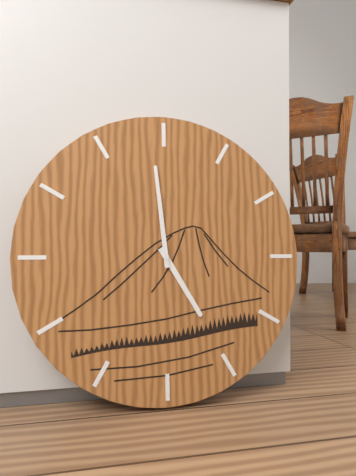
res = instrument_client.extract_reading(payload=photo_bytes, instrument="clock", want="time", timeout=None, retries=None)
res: 4:59
